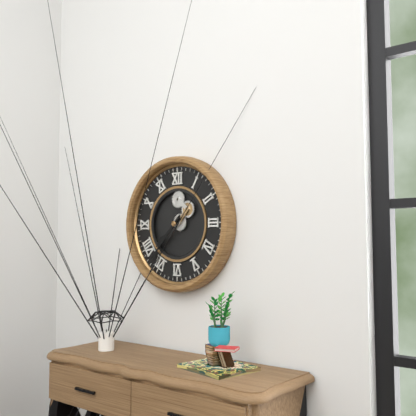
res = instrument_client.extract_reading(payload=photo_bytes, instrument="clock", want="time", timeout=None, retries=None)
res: 7:37
